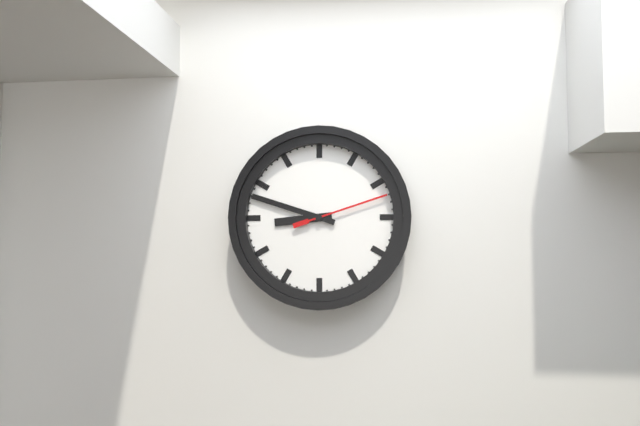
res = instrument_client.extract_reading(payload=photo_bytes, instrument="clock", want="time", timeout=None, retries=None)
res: 8:48:12
